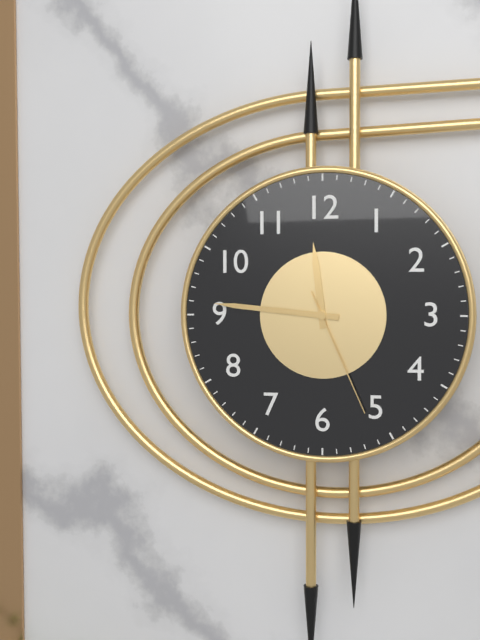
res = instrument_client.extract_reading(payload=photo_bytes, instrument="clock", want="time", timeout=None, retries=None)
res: 11:46:26
